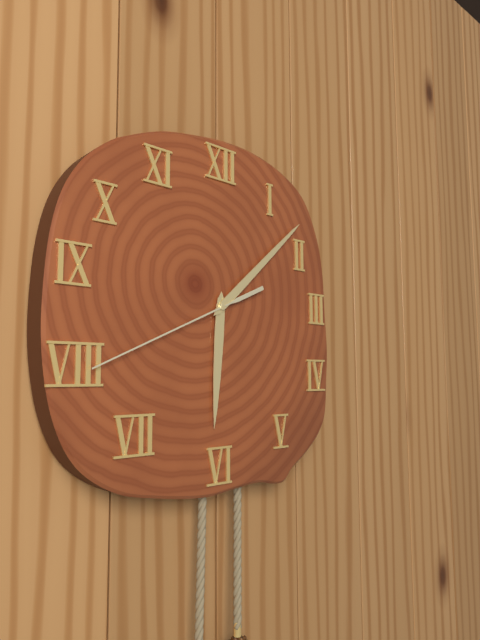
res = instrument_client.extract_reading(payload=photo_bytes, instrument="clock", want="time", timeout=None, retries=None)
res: 6:08:41
